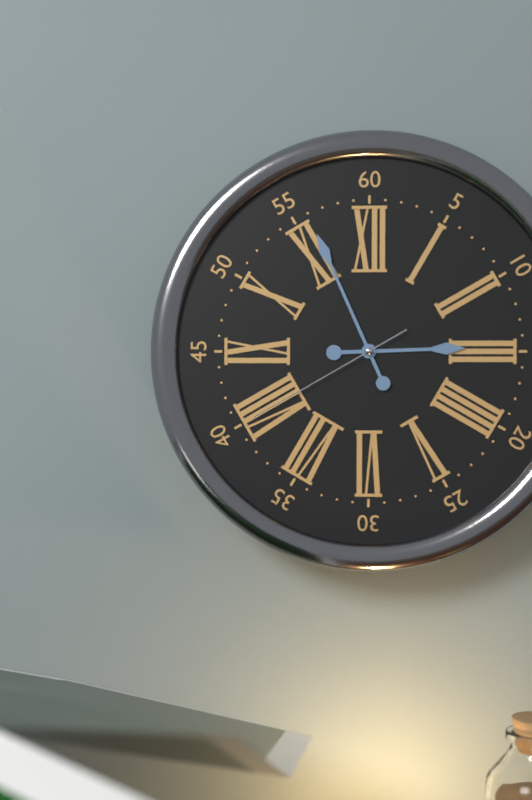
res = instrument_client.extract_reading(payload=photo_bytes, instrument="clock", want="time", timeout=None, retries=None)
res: 2:56:40
